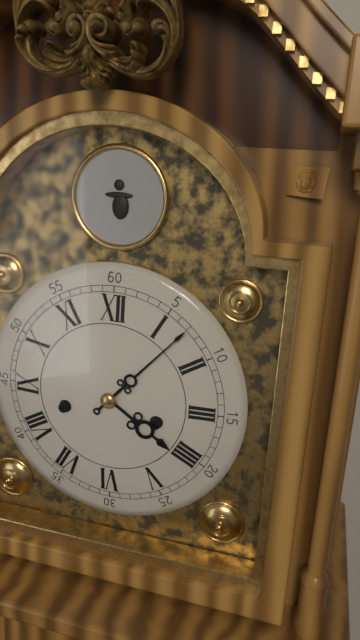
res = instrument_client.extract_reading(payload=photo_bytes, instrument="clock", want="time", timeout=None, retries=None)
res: 4:07
